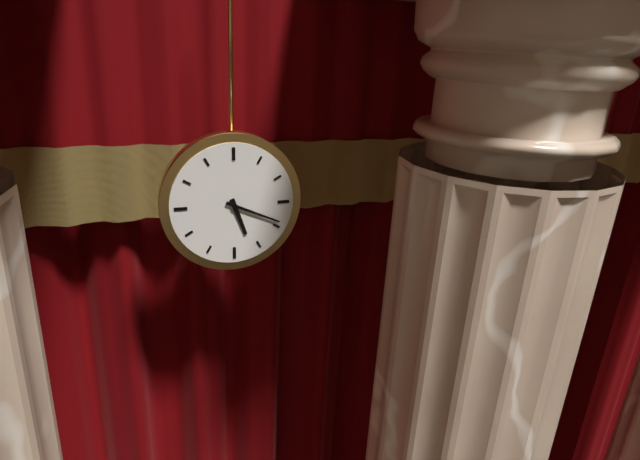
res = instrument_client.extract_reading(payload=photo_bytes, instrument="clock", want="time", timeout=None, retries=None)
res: 5:19
